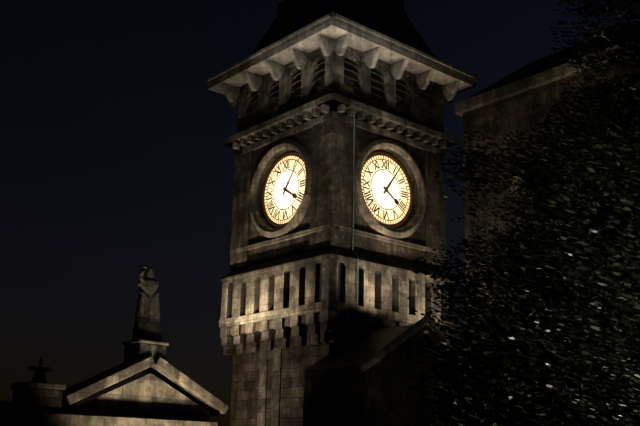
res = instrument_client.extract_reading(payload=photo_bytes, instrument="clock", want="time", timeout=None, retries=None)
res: 4:06
